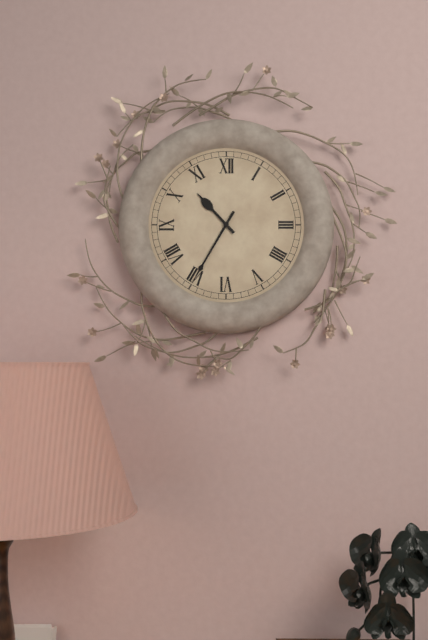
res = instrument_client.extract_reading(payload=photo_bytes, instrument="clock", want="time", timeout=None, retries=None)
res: 10:35
